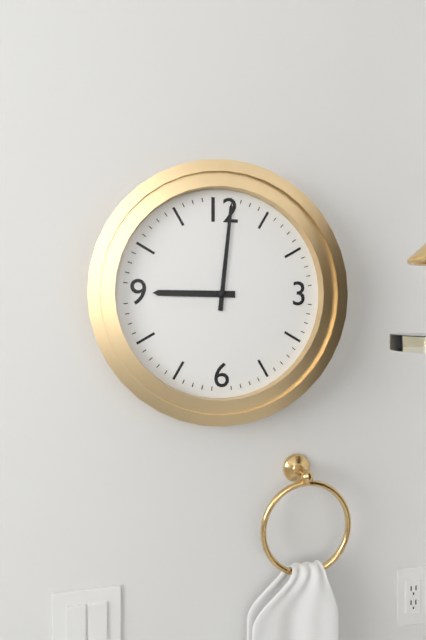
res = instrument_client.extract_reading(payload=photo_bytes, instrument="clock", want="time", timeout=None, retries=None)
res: 9:01
